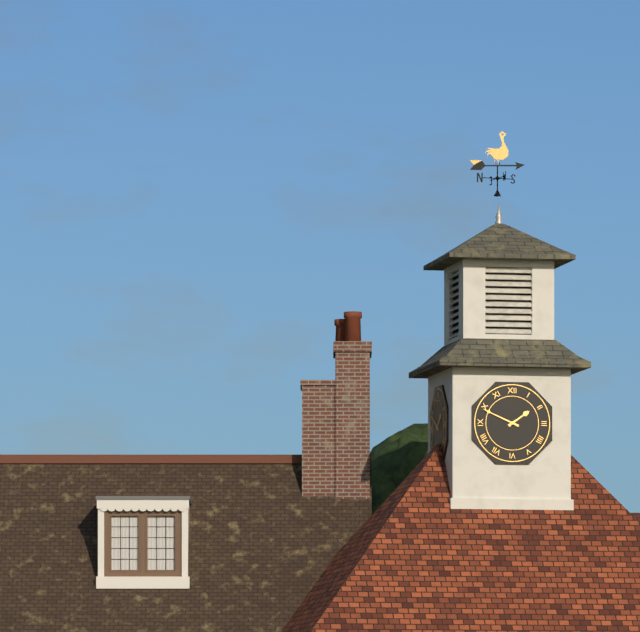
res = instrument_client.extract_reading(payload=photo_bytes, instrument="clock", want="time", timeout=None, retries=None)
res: 1:49
